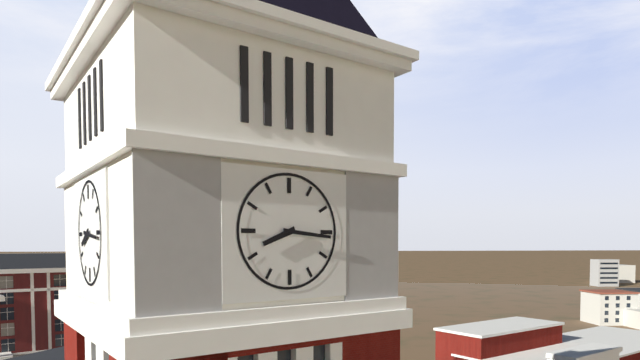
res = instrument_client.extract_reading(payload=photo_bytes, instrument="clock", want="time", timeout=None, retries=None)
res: 8:16
